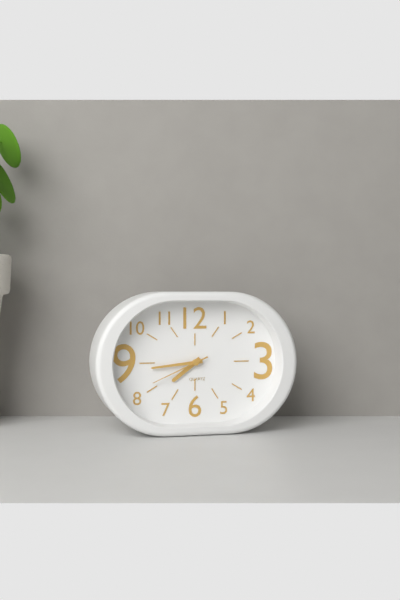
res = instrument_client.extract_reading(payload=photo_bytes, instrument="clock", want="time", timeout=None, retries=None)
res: 7:44:41
